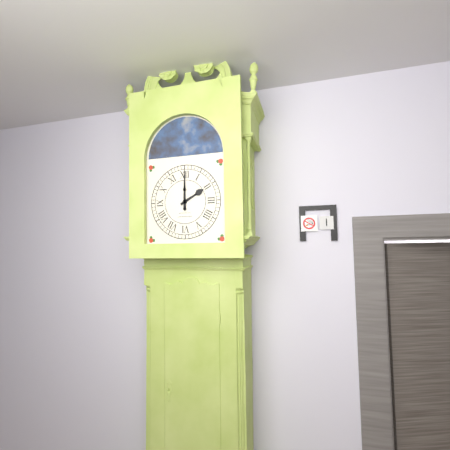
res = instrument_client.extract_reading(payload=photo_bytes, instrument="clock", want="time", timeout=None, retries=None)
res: 2:00
